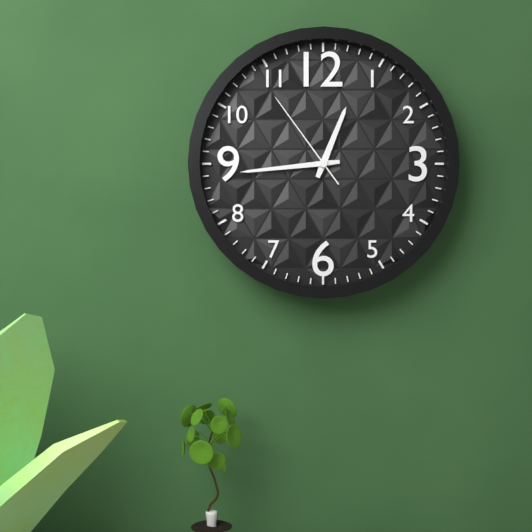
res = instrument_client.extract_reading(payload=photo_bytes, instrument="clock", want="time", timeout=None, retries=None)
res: 12:44:54
